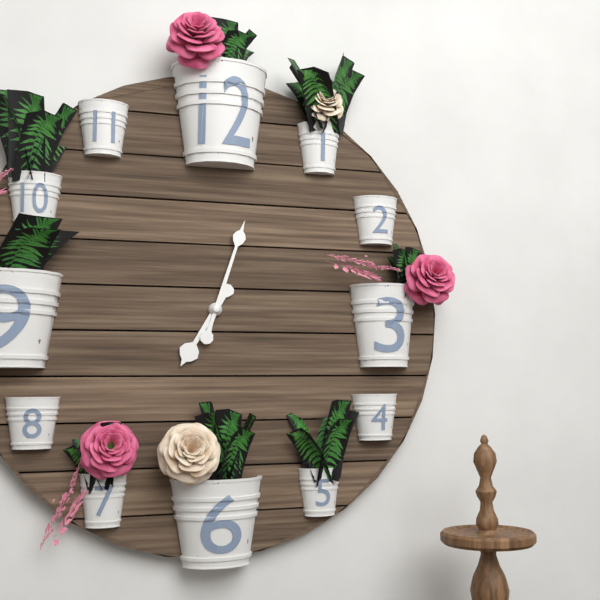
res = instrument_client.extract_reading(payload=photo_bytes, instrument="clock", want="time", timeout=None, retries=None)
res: 7:03
